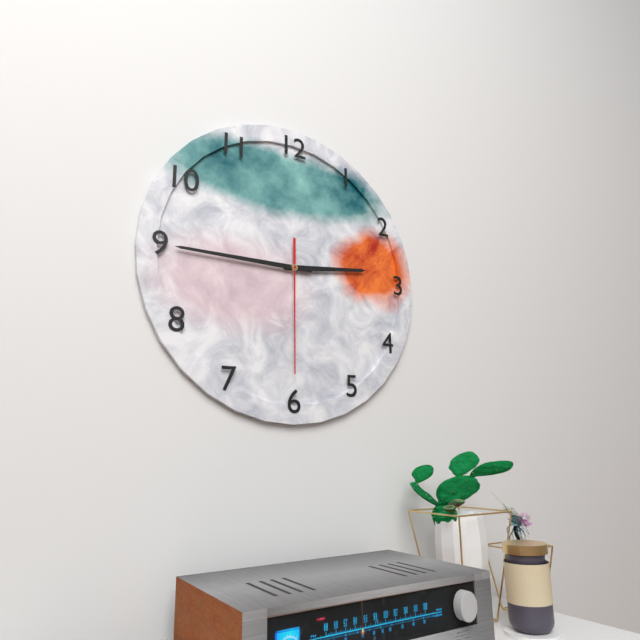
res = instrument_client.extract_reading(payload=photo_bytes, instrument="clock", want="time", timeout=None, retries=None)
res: 2:45:30
